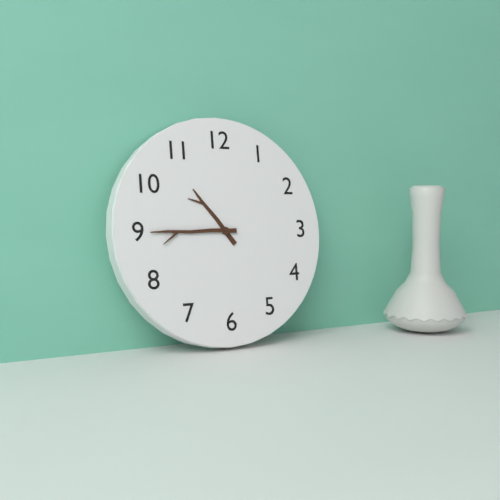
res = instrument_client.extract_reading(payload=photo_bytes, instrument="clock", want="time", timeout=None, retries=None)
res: 10:45
